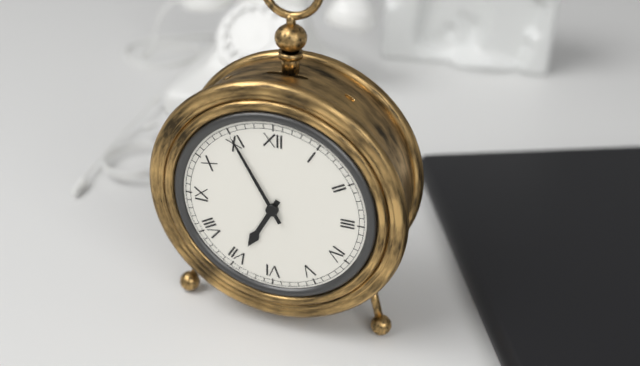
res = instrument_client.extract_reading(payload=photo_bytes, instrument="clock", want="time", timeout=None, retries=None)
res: 6:55
